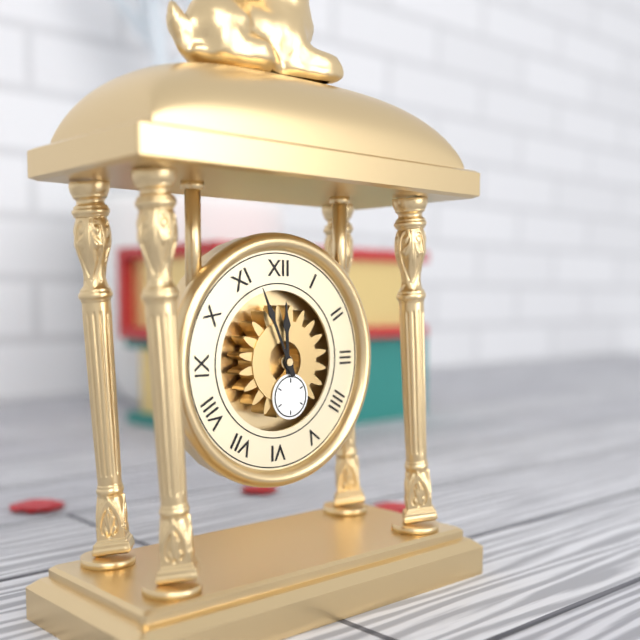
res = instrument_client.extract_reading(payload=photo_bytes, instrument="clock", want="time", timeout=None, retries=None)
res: 11:56
